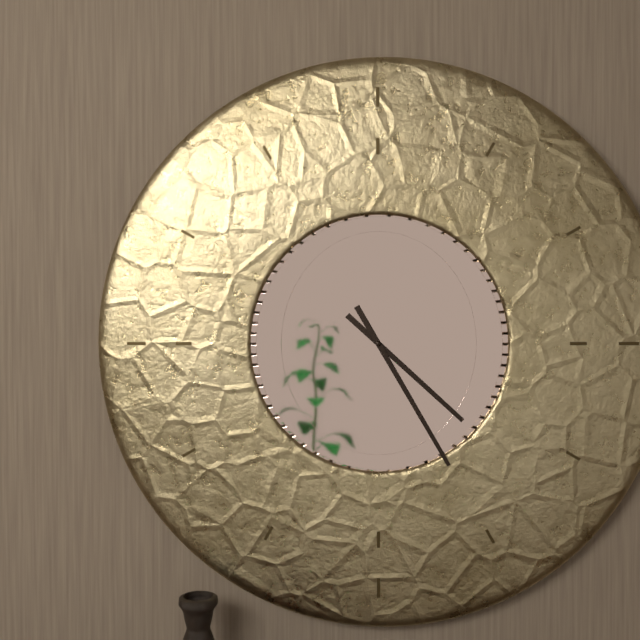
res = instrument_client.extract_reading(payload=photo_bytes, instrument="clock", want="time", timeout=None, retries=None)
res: 4:25
